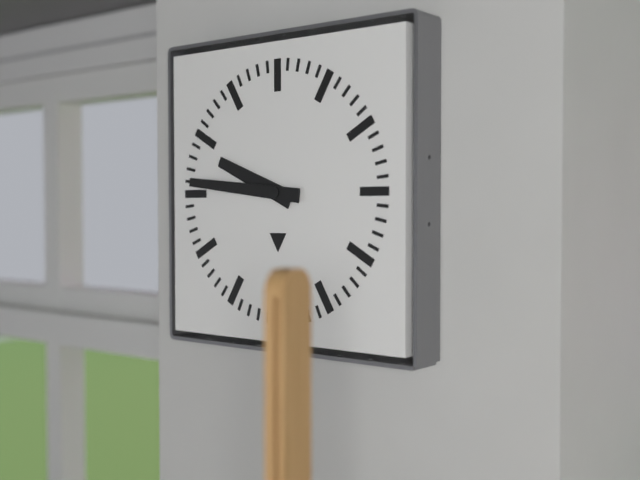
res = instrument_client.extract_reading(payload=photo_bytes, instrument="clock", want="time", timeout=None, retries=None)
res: 9:46
